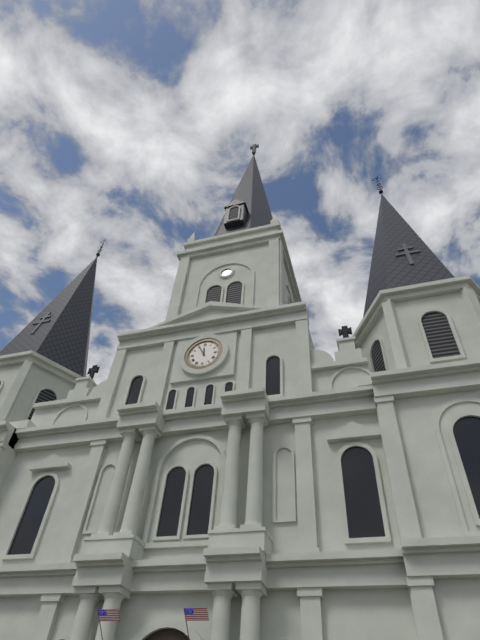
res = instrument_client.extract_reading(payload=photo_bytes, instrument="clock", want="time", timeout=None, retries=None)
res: 11:55
